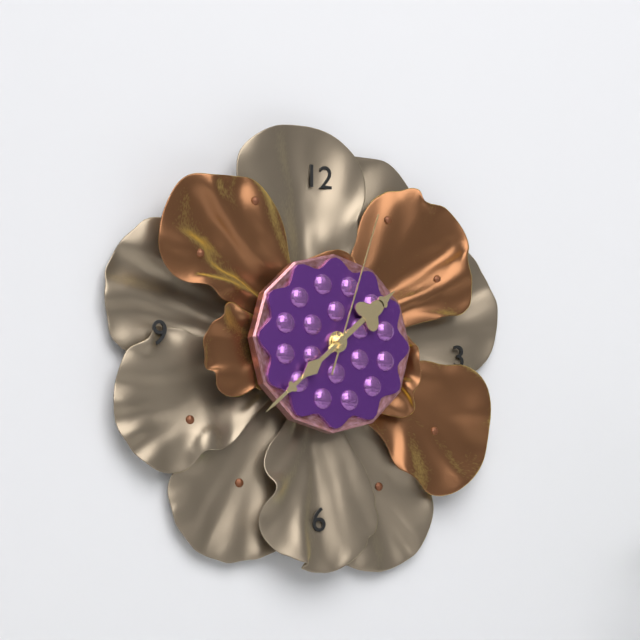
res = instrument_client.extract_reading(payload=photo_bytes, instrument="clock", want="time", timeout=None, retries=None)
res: 1:38:03
